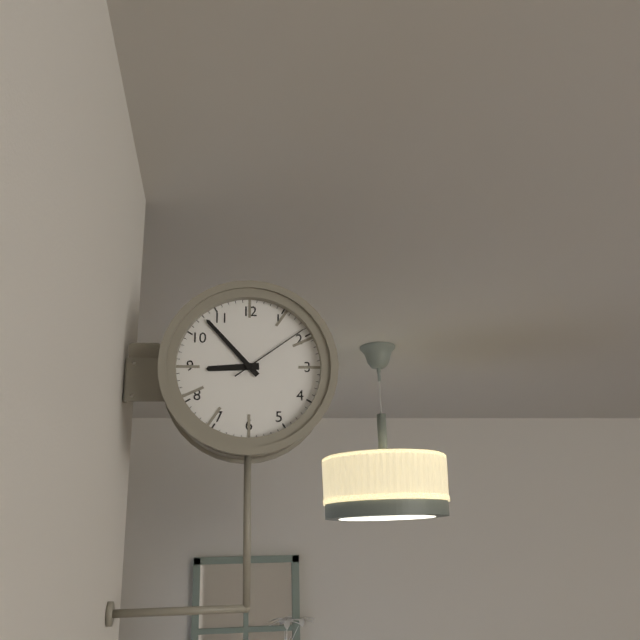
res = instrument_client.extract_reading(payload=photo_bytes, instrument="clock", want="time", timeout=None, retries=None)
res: 8:53:09
